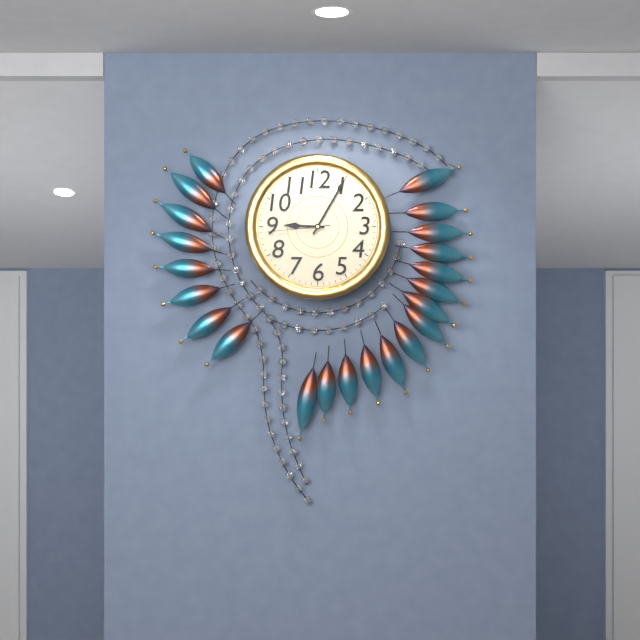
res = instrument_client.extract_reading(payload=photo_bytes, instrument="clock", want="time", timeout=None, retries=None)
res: 9:05:44
